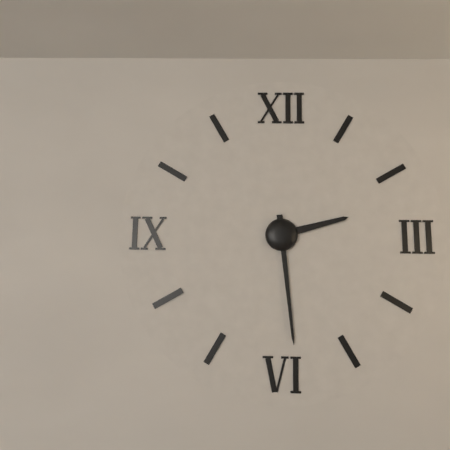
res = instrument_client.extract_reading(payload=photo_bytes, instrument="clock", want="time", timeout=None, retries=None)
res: 2:29
